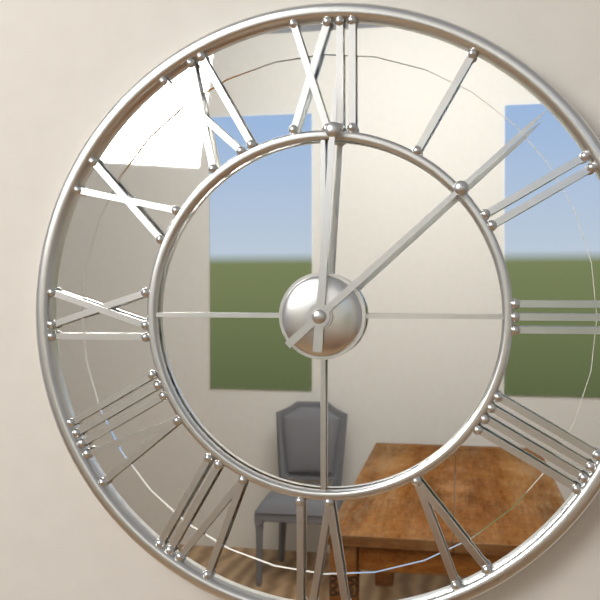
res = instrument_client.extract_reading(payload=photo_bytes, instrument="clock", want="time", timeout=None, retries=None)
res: 12:08
